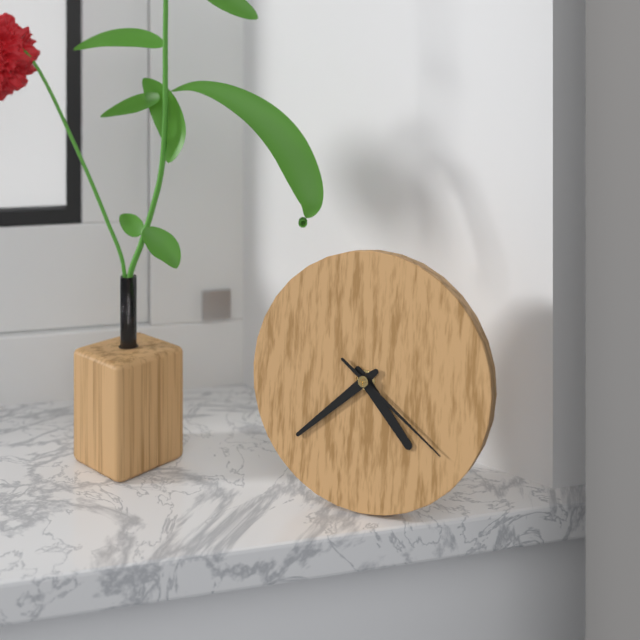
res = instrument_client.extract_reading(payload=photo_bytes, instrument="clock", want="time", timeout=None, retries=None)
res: 4:38:21
